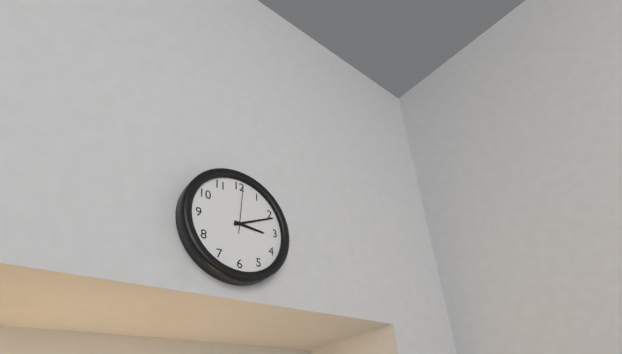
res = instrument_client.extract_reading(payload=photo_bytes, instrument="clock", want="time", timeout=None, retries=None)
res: 3:11
